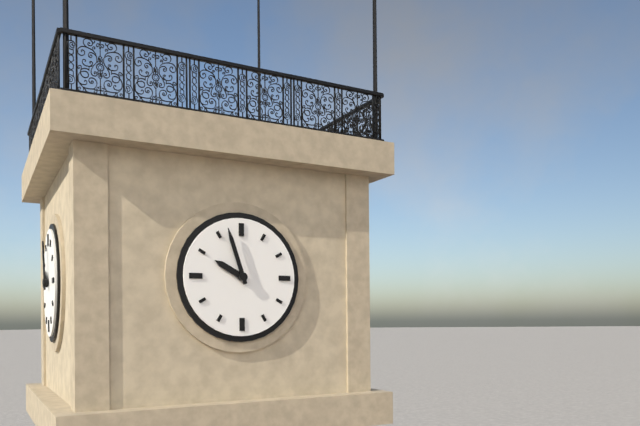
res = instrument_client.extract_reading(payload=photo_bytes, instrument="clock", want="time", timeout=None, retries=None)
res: 9:57
